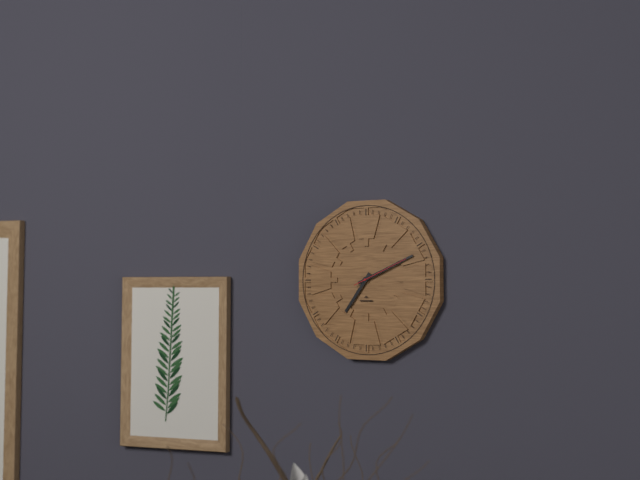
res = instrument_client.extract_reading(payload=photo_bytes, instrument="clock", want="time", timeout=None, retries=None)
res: 7:11:11
